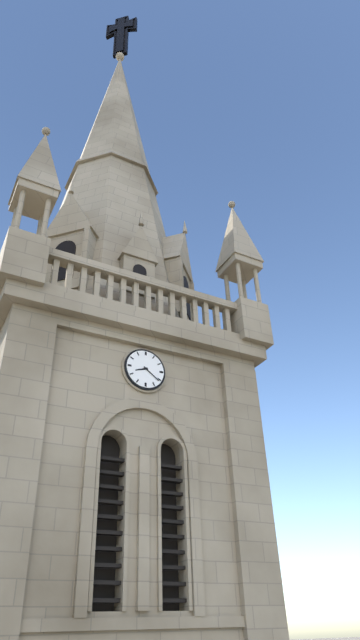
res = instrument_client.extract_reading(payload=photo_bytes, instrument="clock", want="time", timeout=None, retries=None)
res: 8:21
